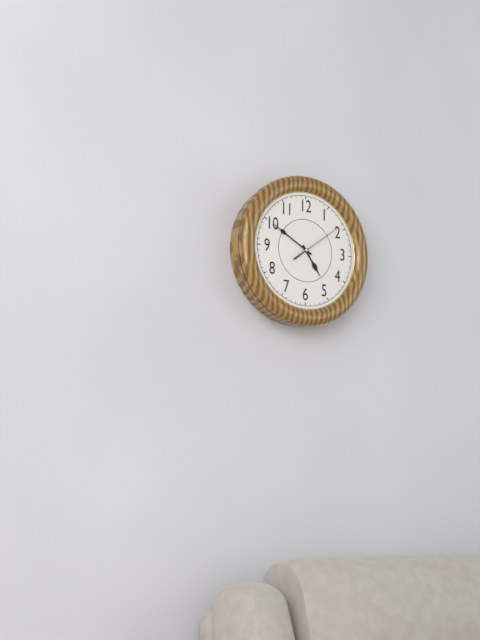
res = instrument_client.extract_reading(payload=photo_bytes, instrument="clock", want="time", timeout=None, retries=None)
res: 4:50:09
